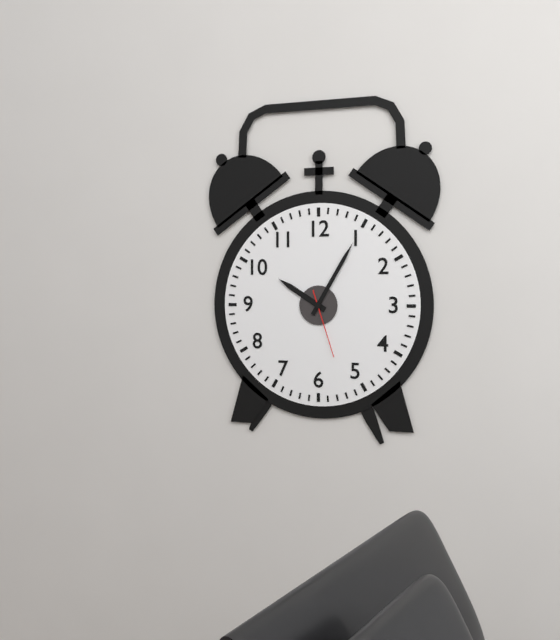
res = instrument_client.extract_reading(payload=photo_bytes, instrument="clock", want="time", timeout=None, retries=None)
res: 10:05:27
